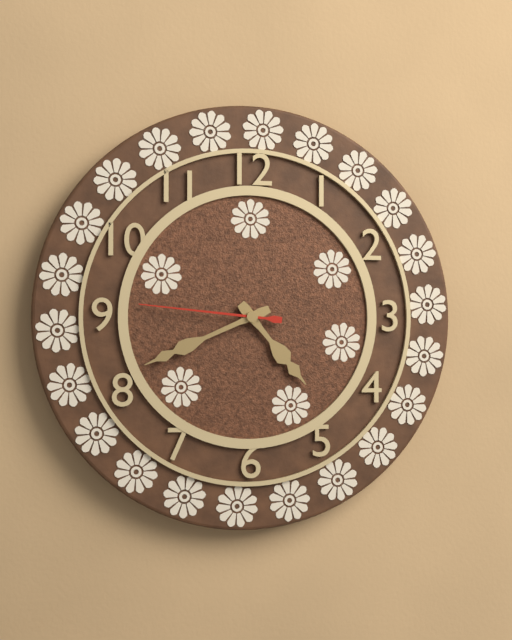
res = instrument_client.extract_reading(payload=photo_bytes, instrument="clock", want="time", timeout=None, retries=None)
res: 4:41:46
